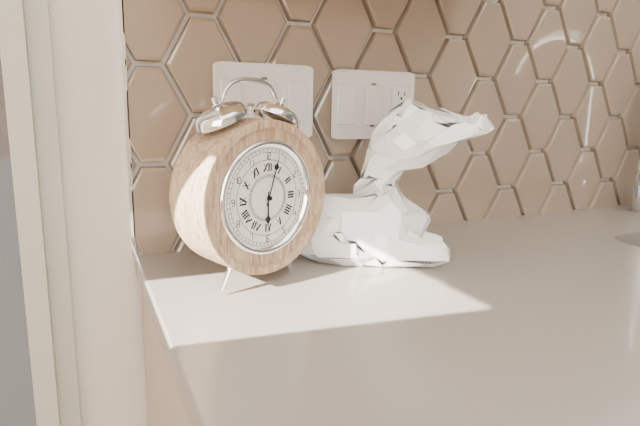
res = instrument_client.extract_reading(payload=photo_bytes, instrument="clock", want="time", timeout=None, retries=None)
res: 6:03
